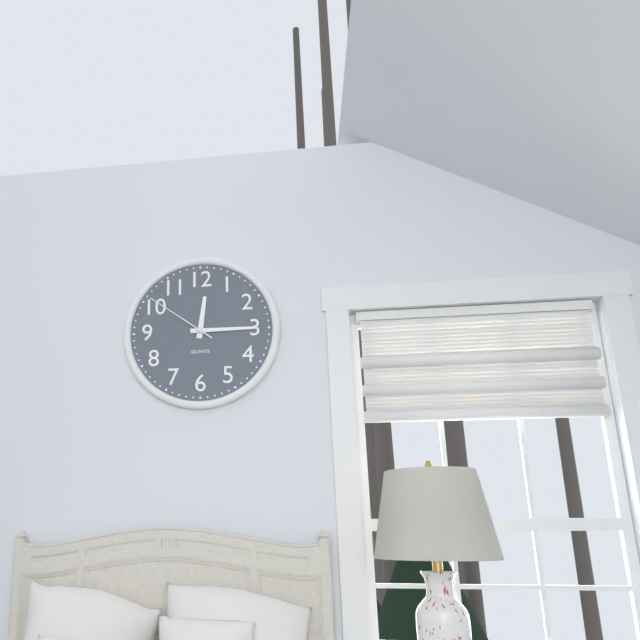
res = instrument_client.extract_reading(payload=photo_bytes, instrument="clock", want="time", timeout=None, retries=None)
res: 12:15:51
